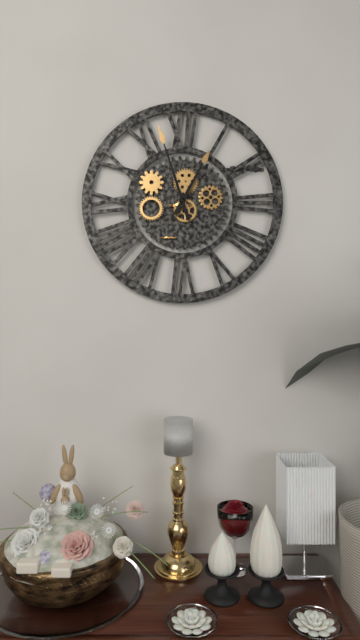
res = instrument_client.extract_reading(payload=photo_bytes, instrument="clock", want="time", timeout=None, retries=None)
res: 12:57
